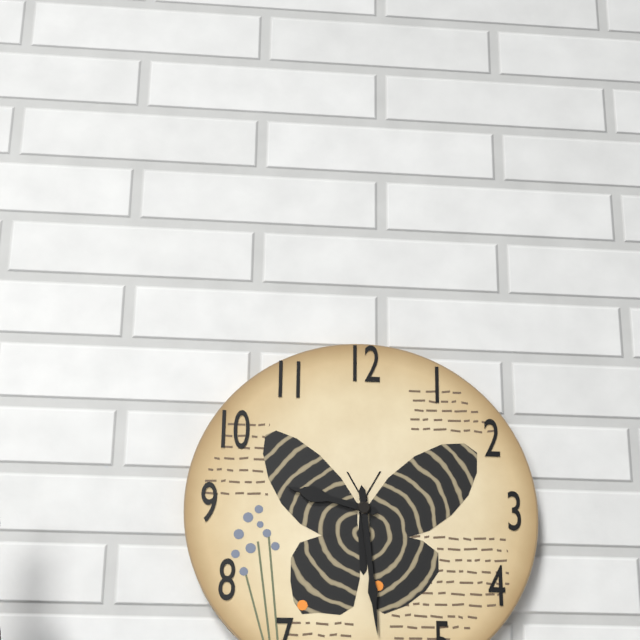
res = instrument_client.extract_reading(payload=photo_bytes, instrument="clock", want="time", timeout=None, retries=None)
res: 9:29
